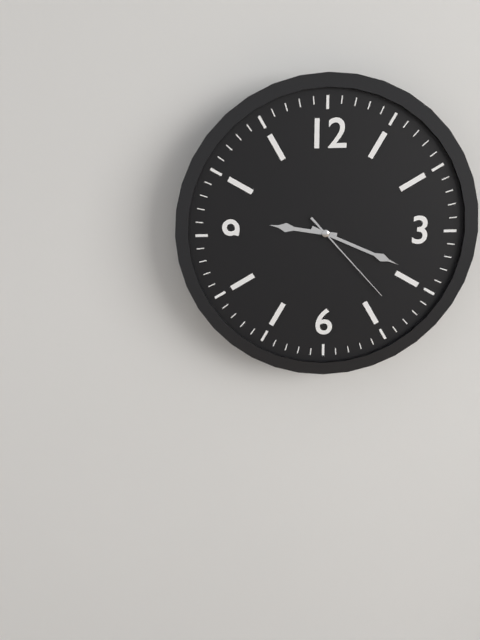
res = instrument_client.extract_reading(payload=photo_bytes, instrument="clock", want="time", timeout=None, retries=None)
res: 9:19:23
